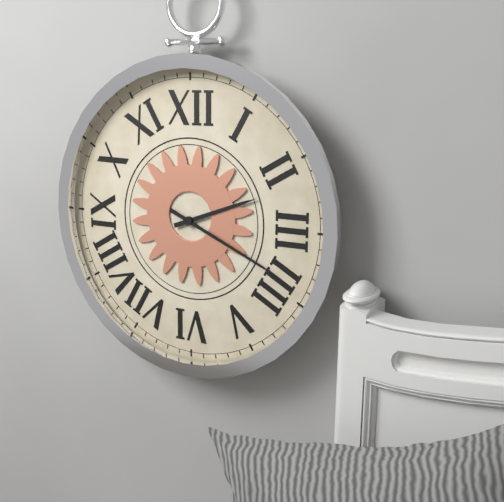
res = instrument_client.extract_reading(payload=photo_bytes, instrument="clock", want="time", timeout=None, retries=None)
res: 2:19
